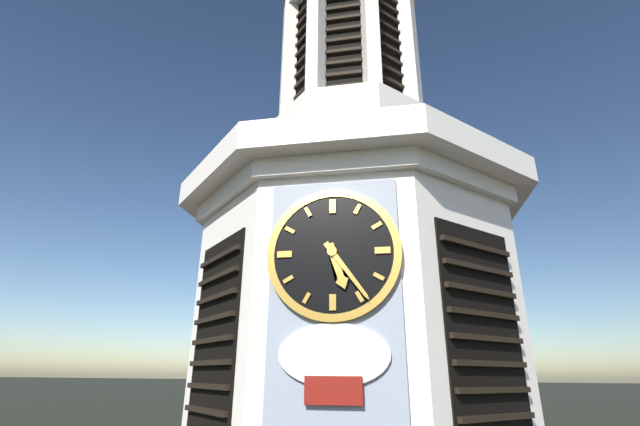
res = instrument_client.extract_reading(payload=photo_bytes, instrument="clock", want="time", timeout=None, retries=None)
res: 5:24
